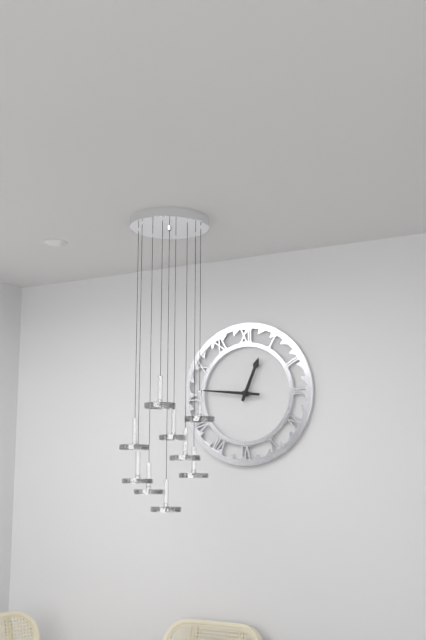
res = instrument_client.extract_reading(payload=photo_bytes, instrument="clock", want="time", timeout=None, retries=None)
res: 12:46
